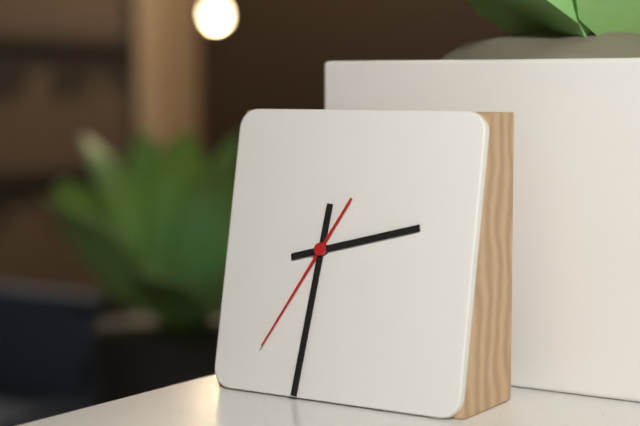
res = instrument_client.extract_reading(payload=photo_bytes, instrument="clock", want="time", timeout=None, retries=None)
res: 2:31:35
